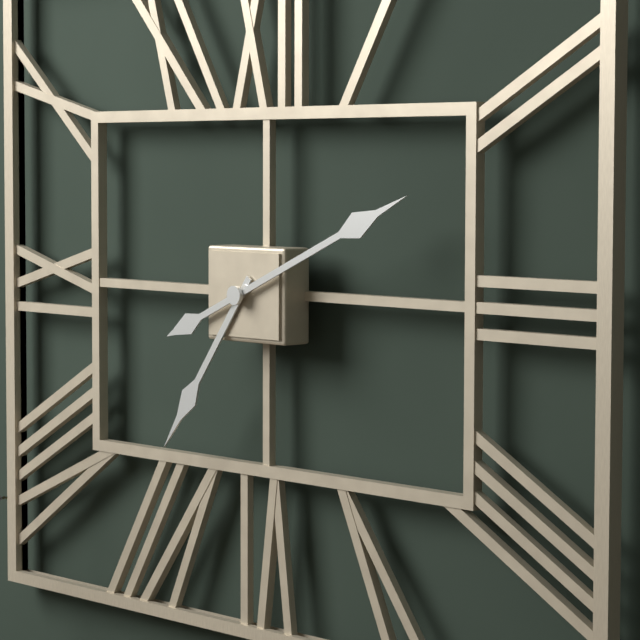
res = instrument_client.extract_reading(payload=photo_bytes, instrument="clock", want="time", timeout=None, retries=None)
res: 7:11
